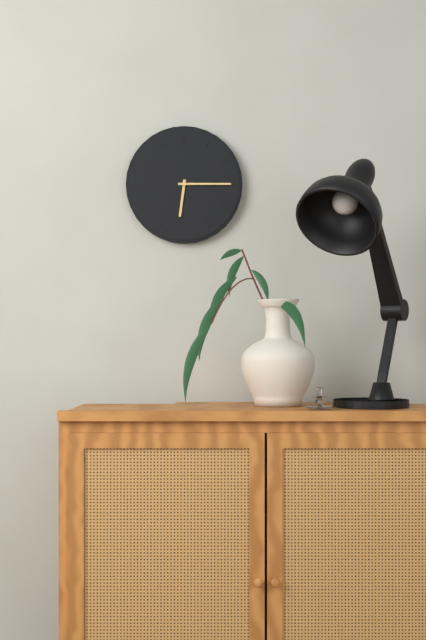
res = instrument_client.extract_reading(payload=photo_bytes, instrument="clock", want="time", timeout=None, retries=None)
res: 6:15
